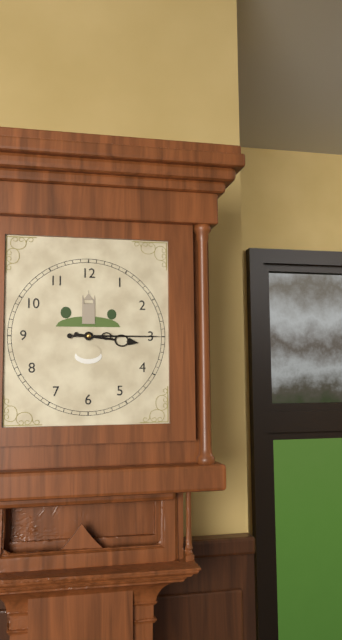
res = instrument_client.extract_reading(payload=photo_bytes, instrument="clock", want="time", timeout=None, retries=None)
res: 3:15
